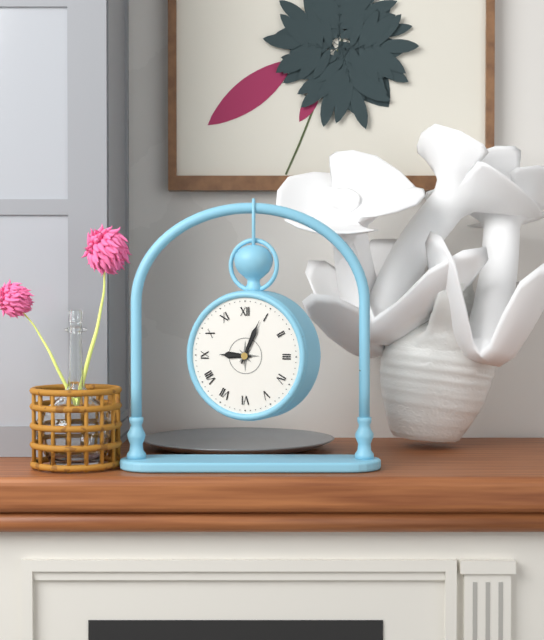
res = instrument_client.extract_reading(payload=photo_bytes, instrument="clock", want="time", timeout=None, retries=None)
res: 9:04
